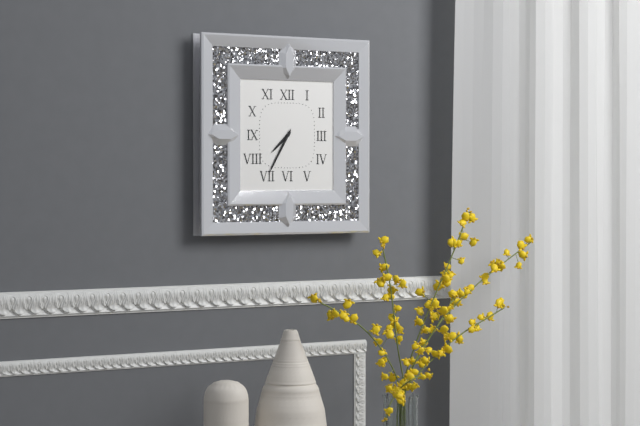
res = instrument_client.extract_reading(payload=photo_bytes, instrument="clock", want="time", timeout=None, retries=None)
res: 7:35
